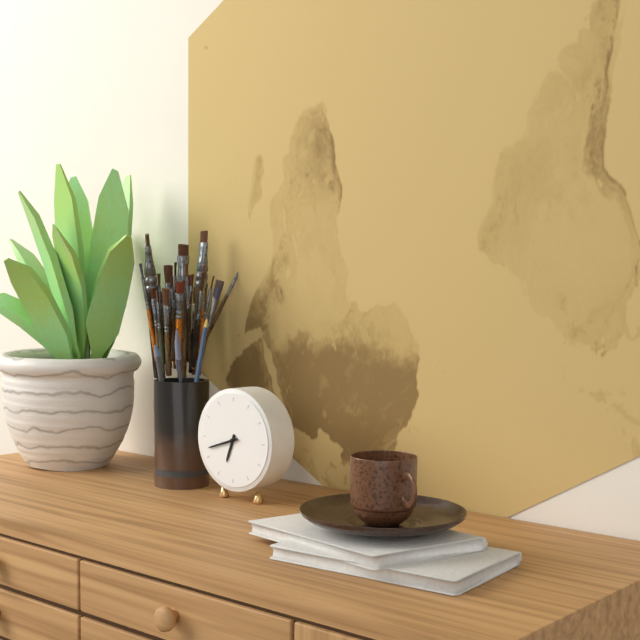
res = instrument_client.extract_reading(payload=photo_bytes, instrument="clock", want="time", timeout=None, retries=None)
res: 6:42
